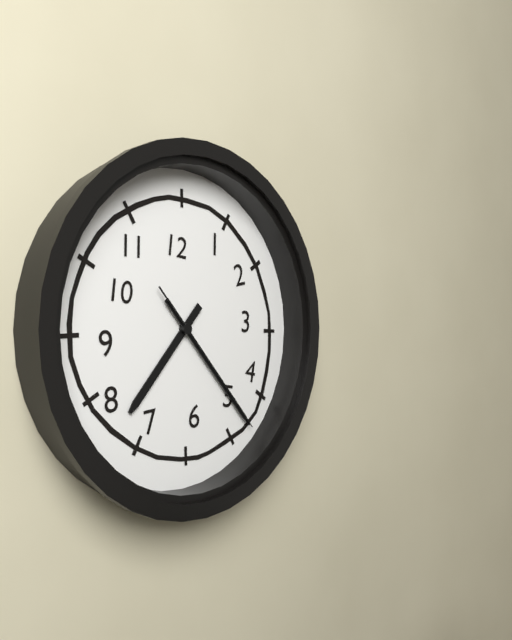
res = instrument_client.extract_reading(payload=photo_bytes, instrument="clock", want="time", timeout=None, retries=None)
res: 7:23:23
